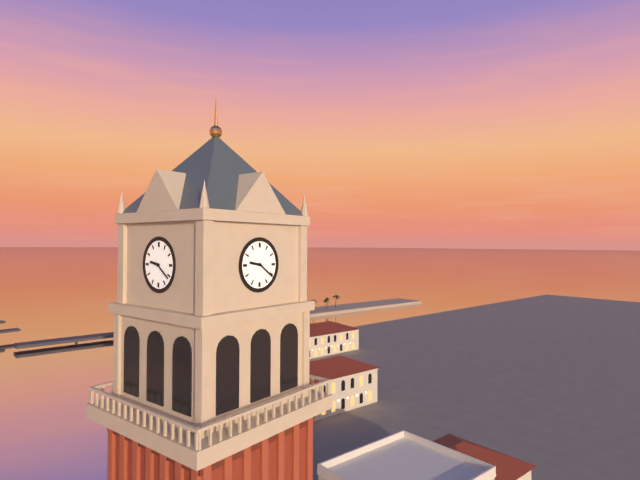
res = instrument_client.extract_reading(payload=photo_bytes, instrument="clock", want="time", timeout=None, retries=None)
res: 9:21
